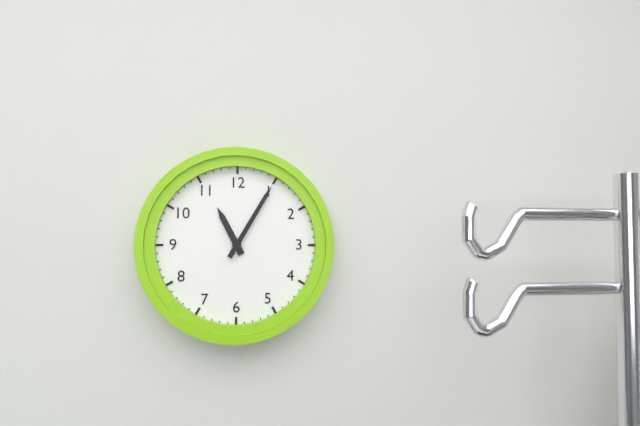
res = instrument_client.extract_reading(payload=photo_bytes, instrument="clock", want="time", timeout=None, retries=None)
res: 11:05
